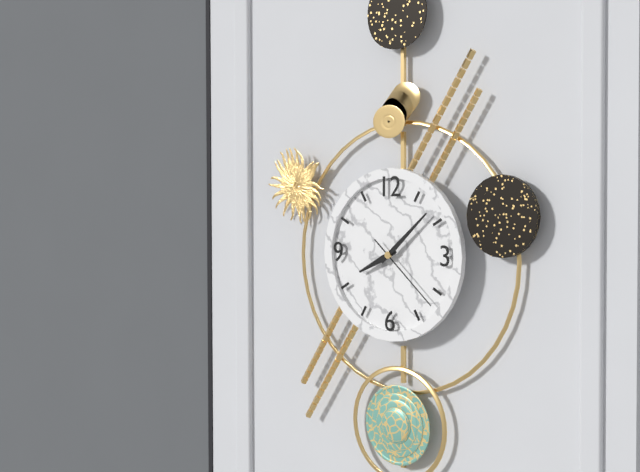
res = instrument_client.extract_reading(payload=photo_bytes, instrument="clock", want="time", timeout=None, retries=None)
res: 8:08:22
